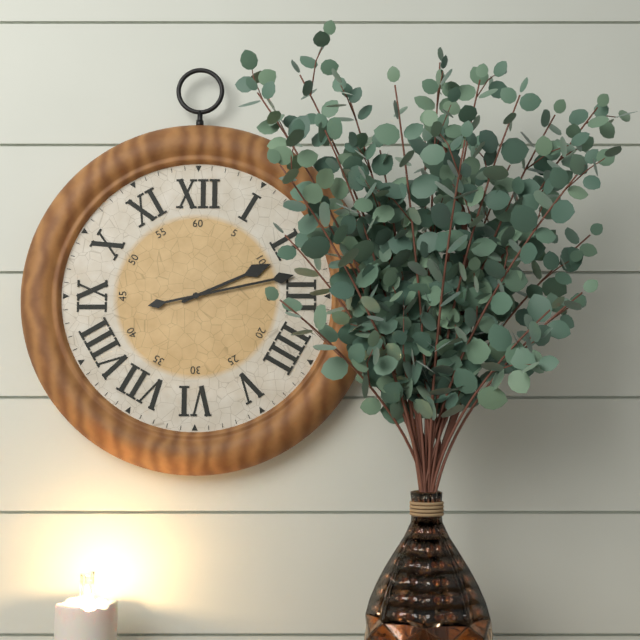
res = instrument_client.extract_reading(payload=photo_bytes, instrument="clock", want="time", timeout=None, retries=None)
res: 2:13
